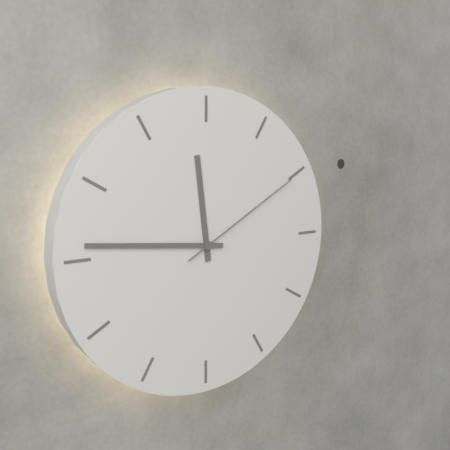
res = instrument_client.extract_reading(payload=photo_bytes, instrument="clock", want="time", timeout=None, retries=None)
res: 11:46:10
